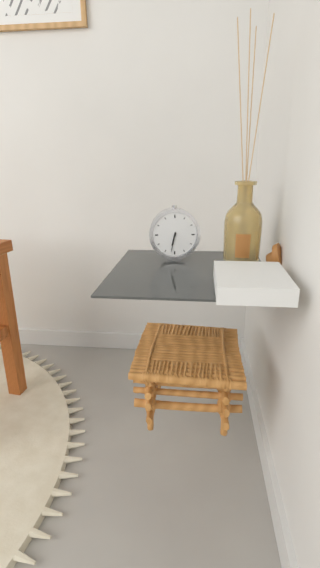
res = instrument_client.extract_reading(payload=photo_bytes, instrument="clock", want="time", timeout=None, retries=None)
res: 6:32
